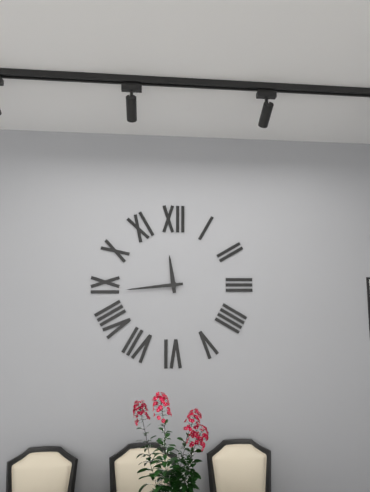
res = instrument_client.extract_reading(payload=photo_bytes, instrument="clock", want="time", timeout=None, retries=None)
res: 11:44
